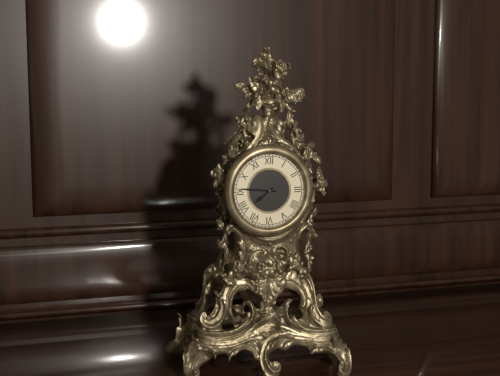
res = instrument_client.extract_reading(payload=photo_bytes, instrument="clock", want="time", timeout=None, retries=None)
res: 7:46
